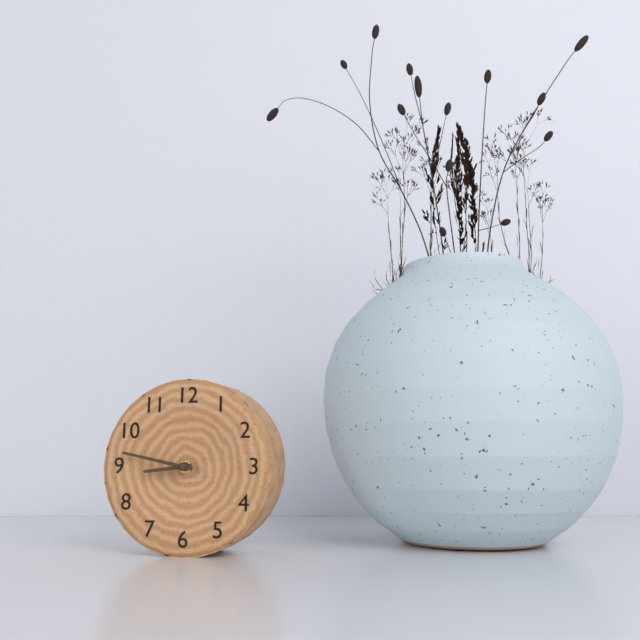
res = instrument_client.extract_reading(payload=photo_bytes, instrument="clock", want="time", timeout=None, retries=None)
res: 8:47
